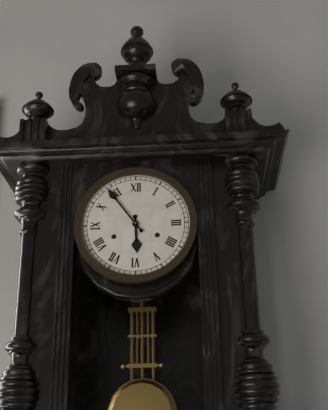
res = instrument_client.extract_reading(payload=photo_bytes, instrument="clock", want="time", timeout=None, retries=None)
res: 5:54
